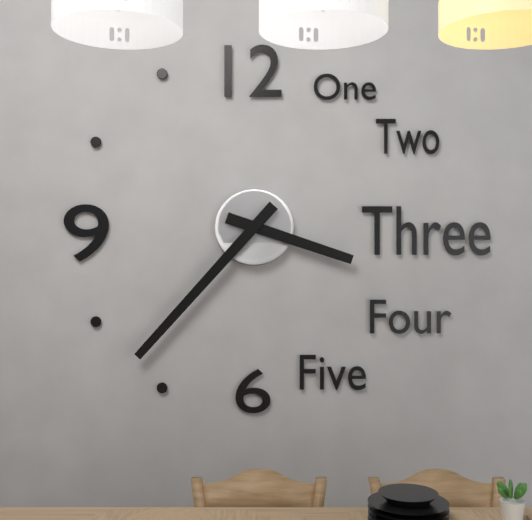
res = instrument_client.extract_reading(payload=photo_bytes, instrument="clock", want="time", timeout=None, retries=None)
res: 3:37
